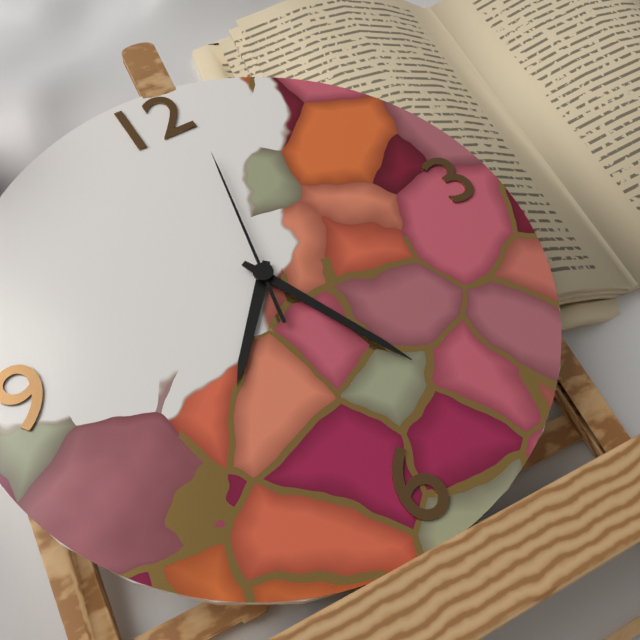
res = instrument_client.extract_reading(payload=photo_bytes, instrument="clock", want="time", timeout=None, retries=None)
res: 7:26:02
